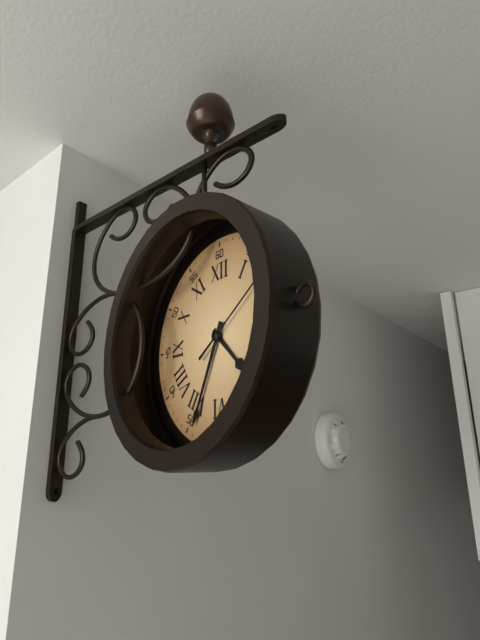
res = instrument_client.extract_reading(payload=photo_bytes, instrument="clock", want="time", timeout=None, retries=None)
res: 4:34
